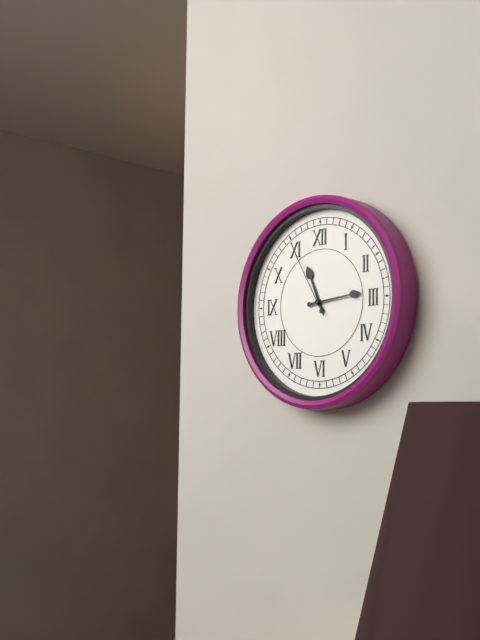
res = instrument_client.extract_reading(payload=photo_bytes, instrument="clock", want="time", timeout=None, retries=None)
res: 11:14:55
